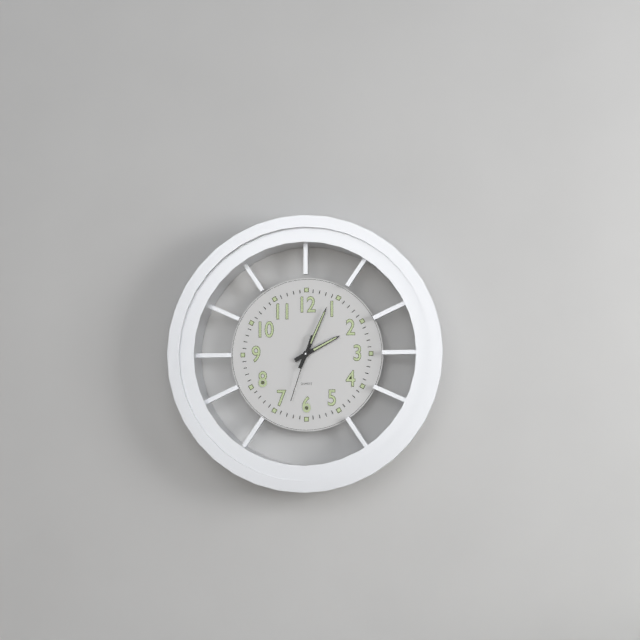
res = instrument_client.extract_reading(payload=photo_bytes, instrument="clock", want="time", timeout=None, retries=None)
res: 2:04:33
